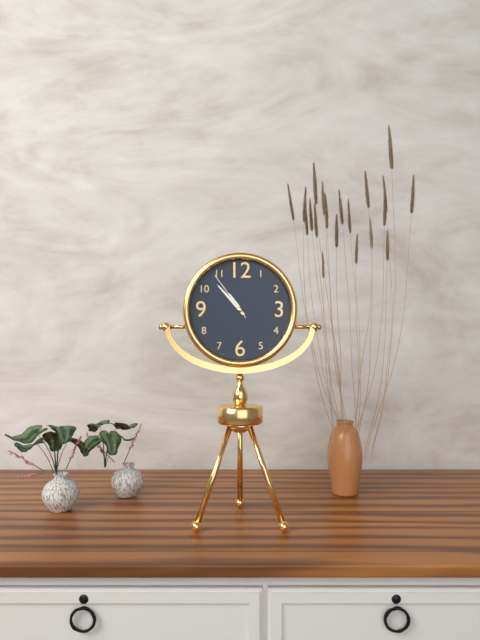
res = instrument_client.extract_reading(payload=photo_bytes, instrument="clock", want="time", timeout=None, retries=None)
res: 10:53:54
